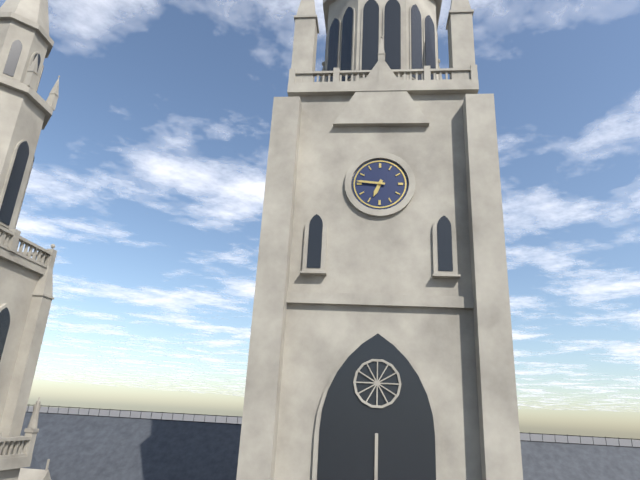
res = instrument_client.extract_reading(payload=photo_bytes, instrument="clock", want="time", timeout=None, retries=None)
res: 6:46
